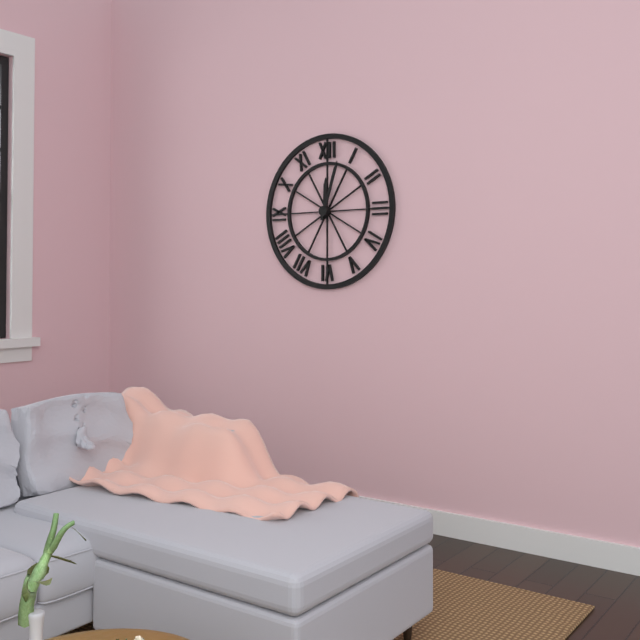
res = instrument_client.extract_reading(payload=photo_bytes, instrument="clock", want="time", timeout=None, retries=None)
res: 12:03
